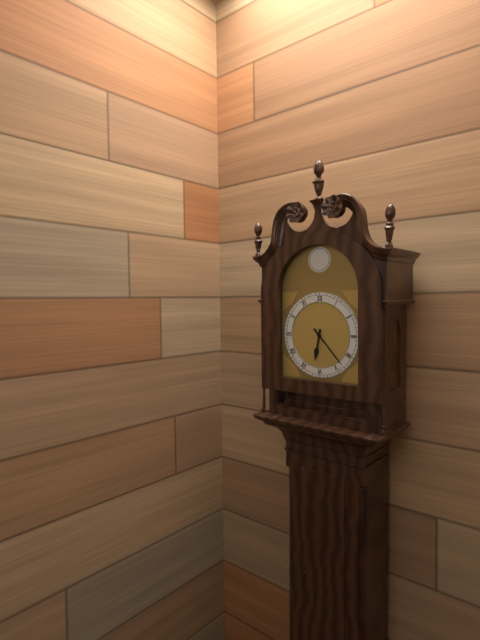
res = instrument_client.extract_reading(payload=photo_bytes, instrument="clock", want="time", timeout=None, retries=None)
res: 6:23
